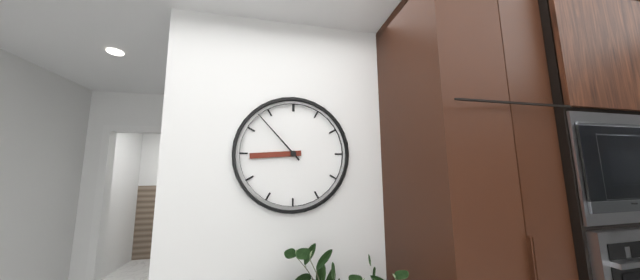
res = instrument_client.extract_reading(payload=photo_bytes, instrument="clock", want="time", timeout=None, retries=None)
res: 8:53
